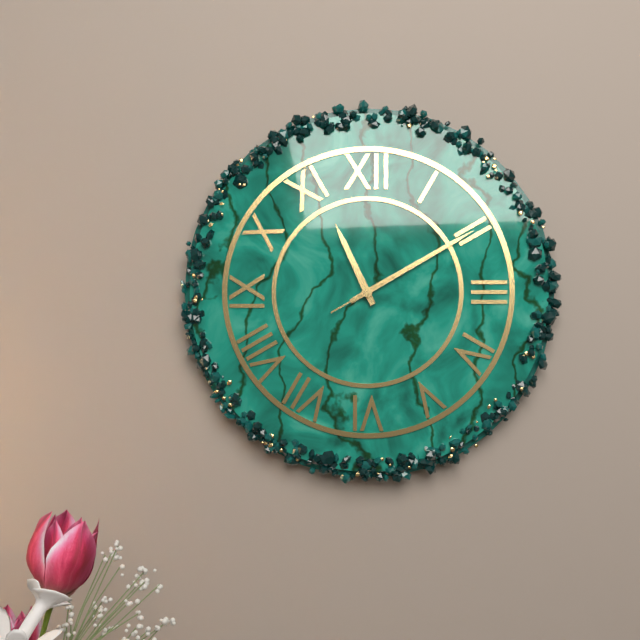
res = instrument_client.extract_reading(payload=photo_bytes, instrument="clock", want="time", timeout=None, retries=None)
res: 11:10:10
